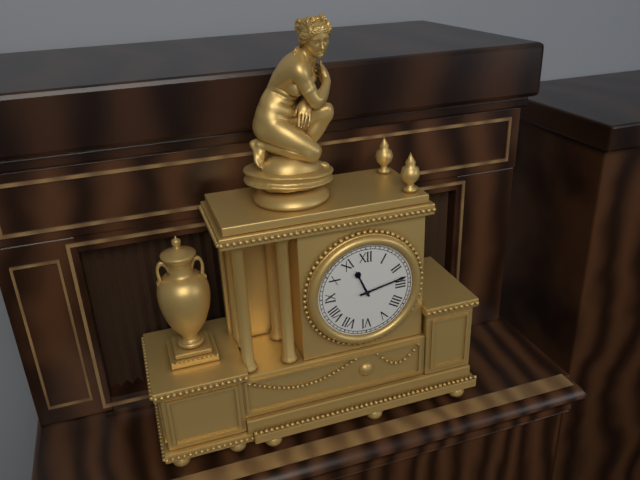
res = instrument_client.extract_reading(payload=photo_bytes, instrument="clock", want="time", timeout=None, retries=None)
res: 11:13
